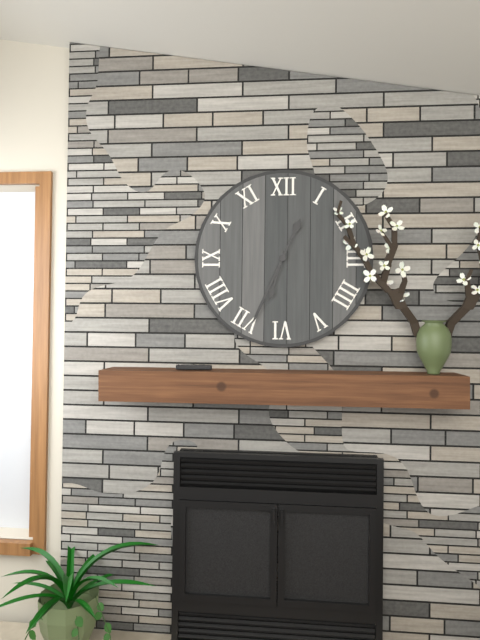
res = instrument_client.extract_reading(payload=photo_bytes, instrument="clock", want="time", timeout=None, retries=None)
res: 6:34
